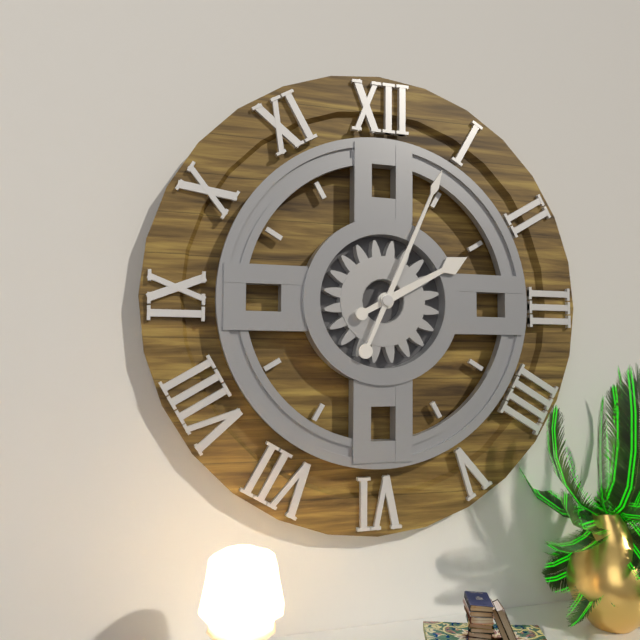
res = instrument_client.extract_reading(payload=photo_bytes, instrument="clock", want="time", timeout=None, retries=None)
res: 2:04
